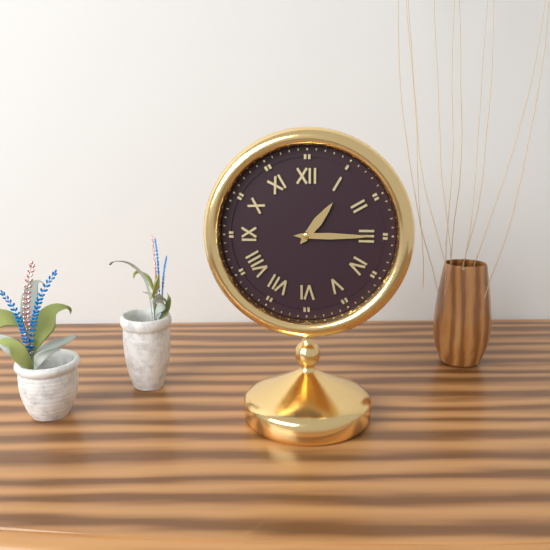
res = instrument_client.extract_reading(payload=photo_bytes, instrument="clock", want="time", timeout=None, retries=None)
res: 1:15
